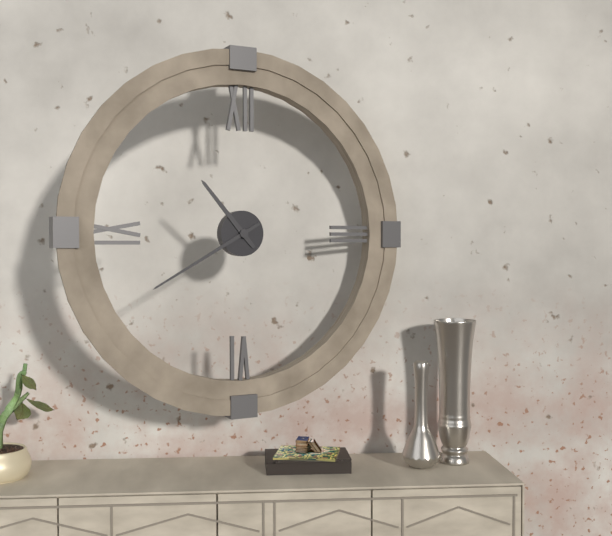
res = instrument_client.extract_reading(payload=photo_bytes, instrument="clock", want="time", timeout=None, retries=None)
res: 10:40
